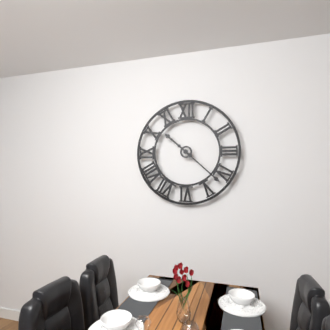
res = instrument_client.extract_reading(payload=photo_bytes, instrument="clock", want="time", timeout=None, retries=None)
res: 10:22
